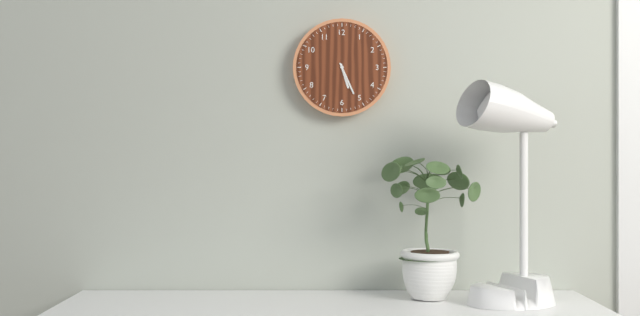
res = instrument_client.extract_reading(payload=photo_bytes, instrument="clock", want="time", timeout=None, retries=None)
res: 5:26
